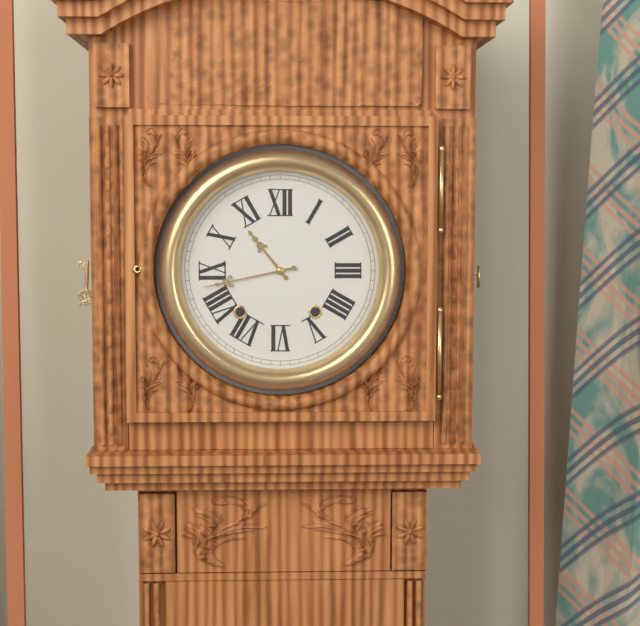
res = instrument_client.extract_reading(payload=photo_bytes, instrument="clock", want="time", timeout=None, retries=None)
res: 10:43
